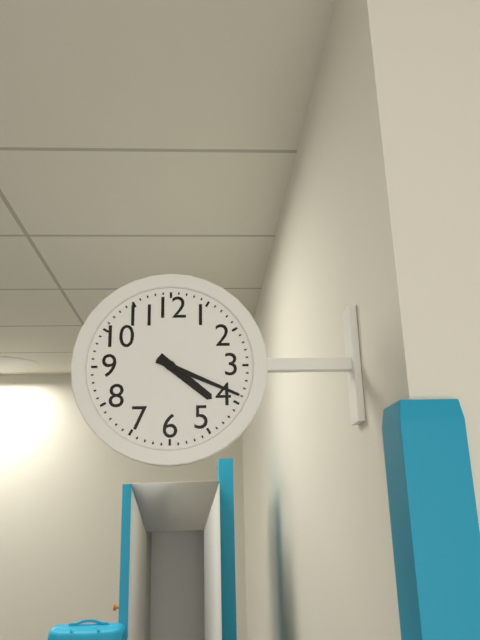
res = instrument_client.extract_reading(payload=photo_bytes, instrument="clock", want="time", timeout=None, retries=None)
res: 4:19
